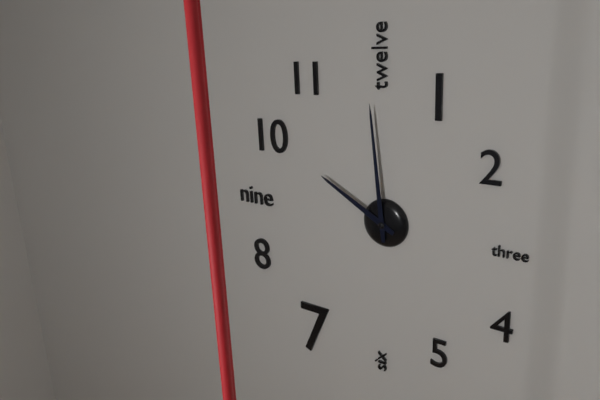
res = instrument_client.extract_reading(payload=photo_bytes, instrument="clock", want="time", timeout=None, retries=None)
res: 9:59
